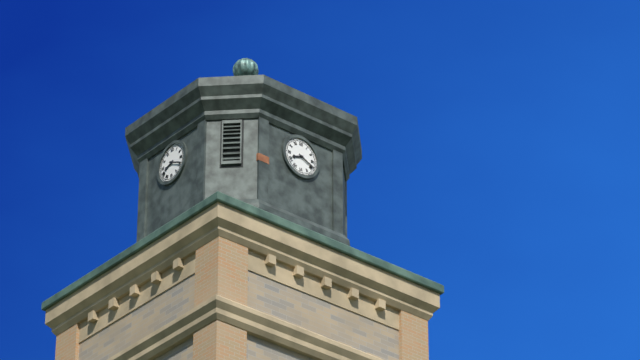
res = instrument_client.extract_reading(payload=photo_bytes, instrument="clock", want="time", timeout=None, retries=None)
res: 8:19
